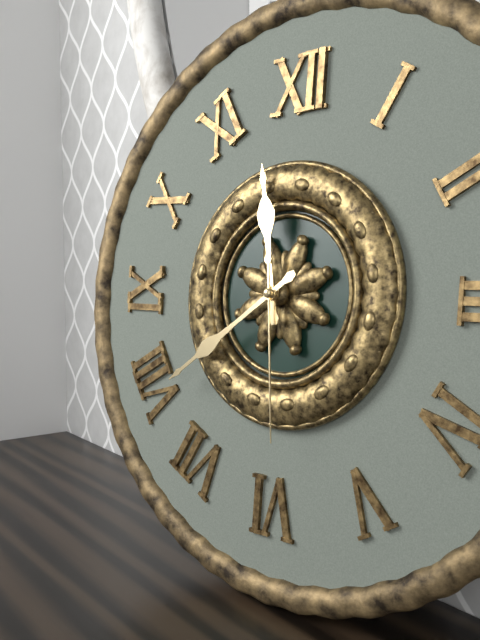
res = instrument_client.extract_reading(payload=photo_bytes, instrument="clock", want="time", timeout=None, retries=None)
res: 11:39:29
